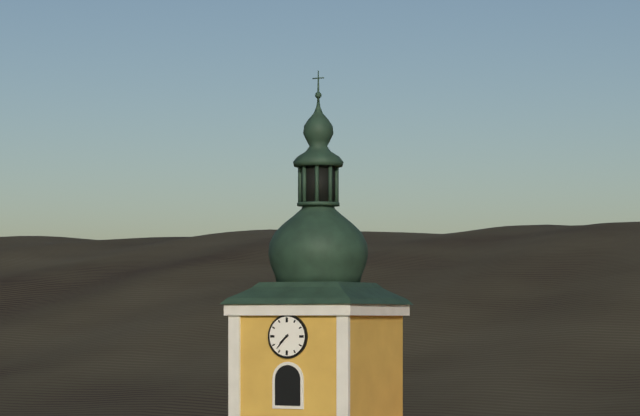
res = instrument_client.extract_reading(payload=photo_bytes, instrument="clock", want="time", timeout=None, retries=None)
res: 7:37
